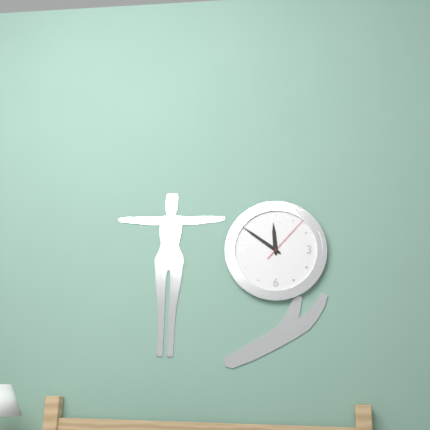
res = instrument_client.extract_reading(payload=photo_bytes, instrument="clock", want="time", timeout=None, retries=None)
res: 11:51:07
